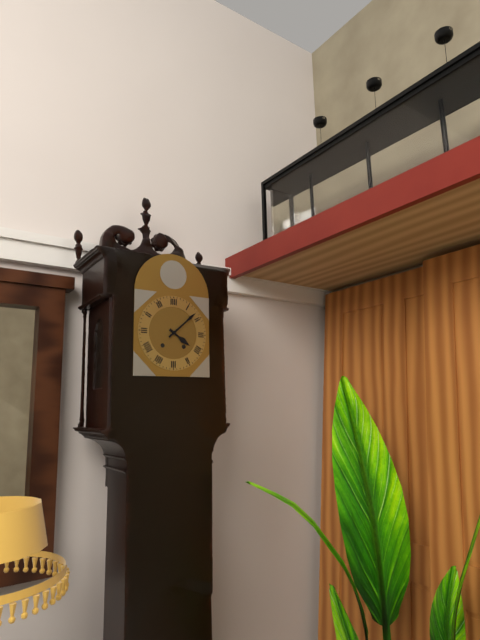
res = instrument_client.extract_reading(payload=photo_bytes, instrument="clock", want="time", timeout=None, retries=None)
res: 4:08
